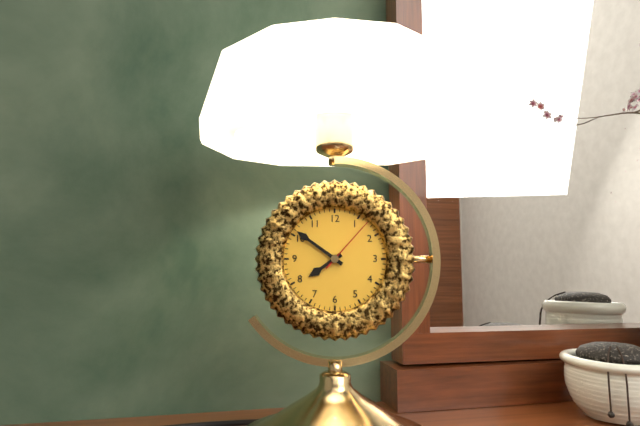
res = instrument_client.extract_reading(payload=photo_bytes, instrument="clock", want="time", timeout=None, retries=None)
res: 7:51:07
